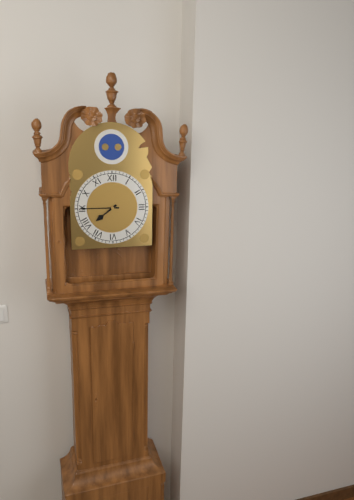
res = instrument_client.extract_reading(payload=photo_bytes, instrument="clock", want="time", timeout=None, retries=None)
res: 7:45
